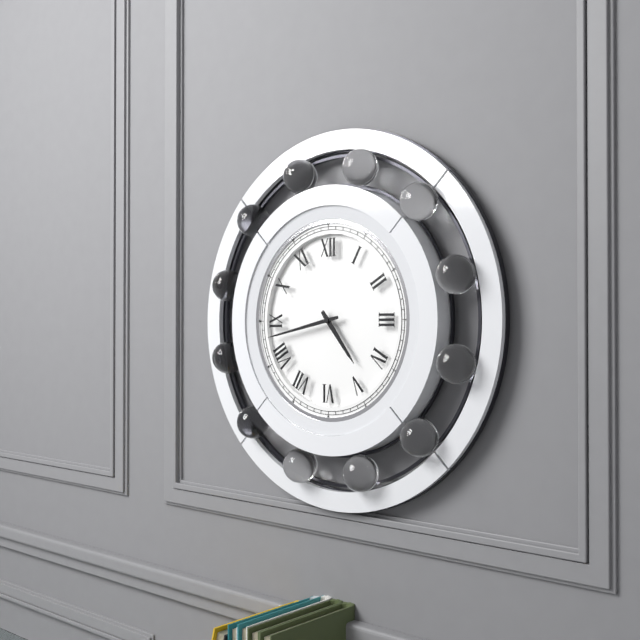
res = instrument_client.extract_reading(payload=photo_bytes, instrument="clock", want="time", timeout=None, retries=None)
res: 4:43
